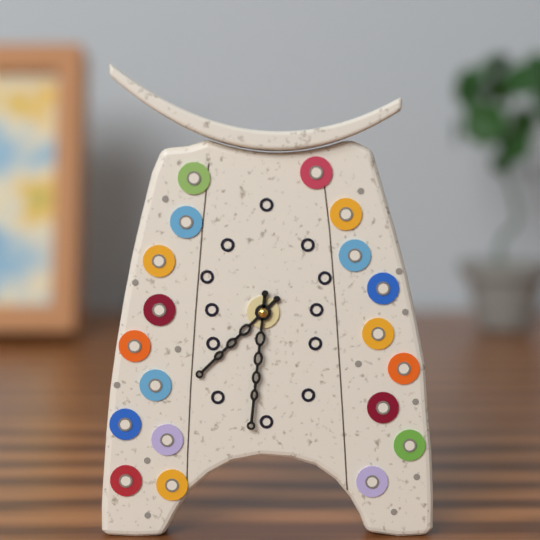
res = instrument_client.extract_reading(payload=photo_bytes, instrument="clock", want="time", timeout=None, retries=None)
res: 7:31
